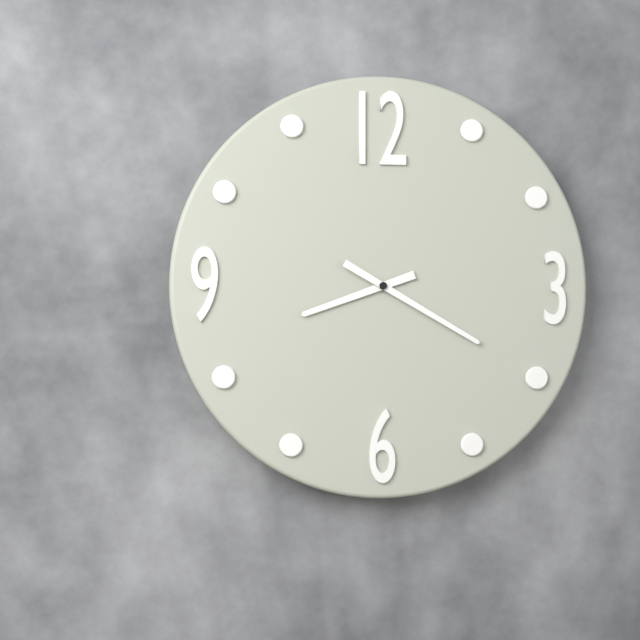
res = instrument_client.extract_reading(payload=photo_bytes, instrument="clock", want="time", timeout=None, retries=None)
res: 8:20
